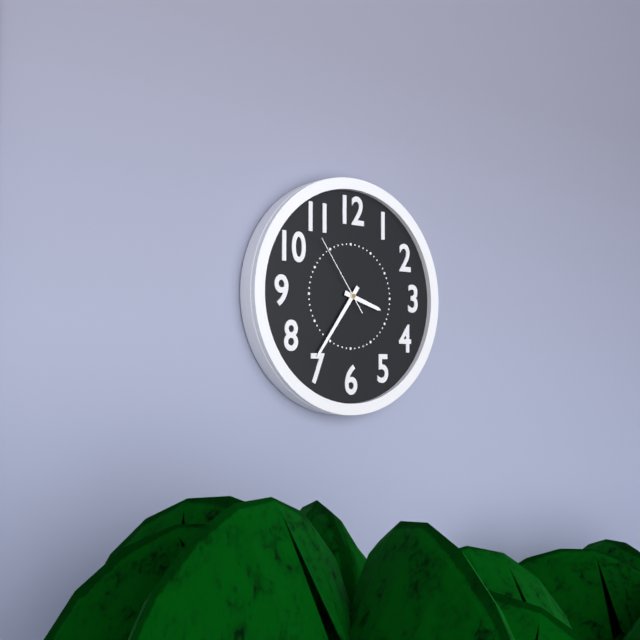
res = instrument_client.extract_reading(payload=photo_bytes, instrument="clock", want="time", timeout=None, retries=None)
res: 3:36:54
